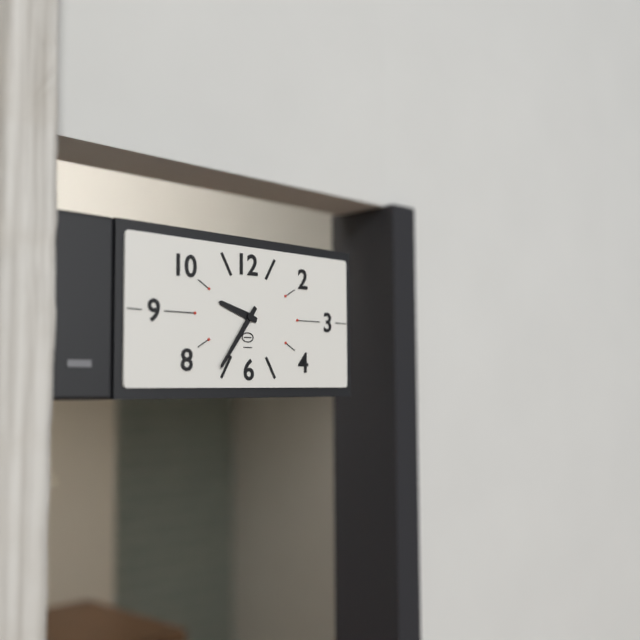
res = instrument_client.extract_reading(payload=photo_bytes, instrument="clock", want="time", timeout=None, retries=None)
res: 9:36
